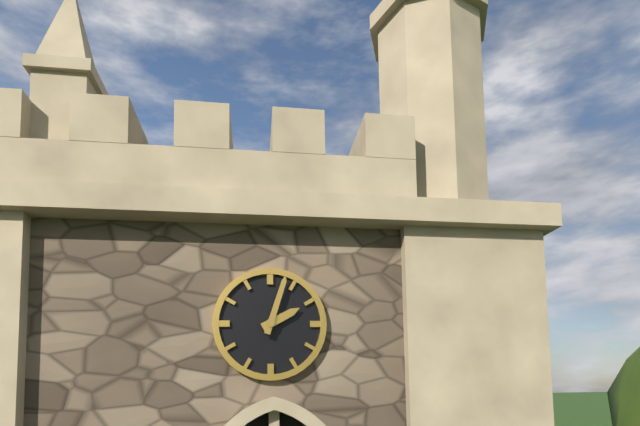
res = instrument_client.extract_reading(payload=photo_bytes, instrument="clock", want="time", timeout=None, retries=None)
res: 2:03
